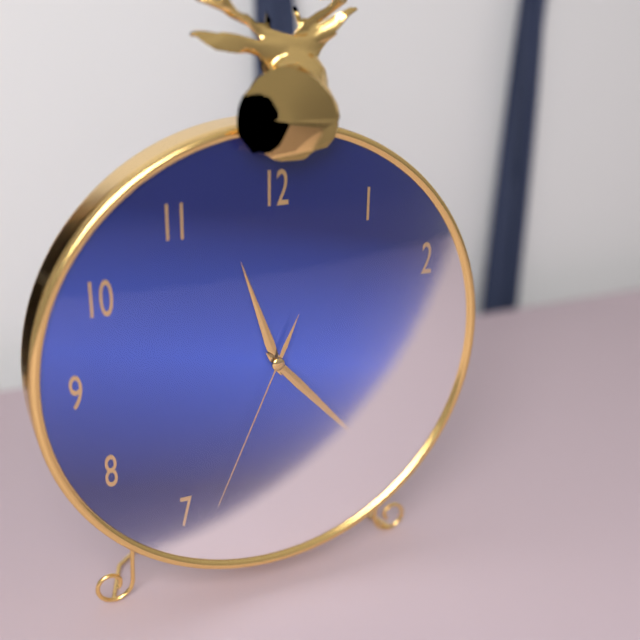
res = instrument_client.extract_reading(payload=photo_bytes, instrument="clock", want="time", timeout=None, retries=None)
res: 11:23:34
